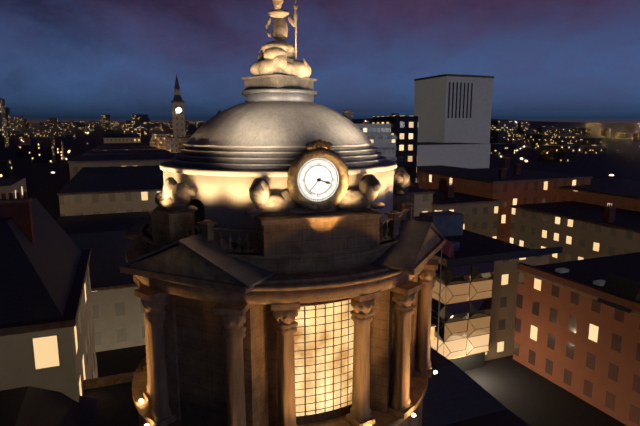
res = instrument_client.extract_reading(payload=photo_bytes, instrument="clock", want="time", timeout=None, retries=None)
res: 3:37
